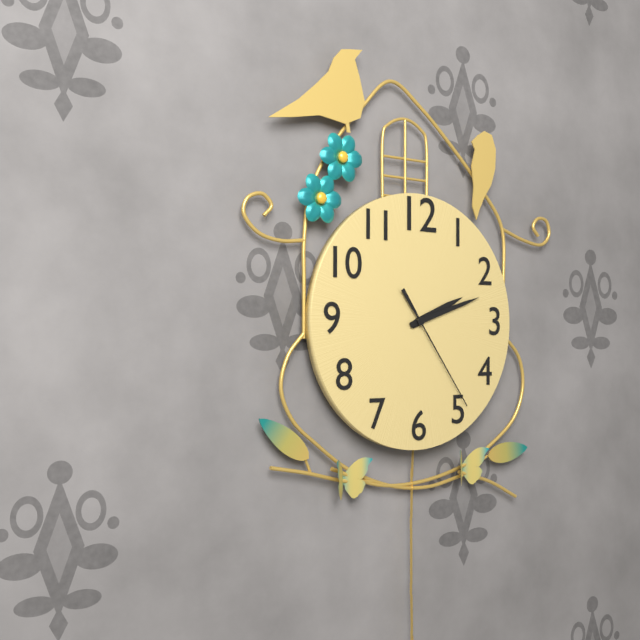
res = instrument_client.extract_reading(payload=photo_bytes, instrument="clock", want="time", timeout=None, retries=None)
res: 2:12:24
